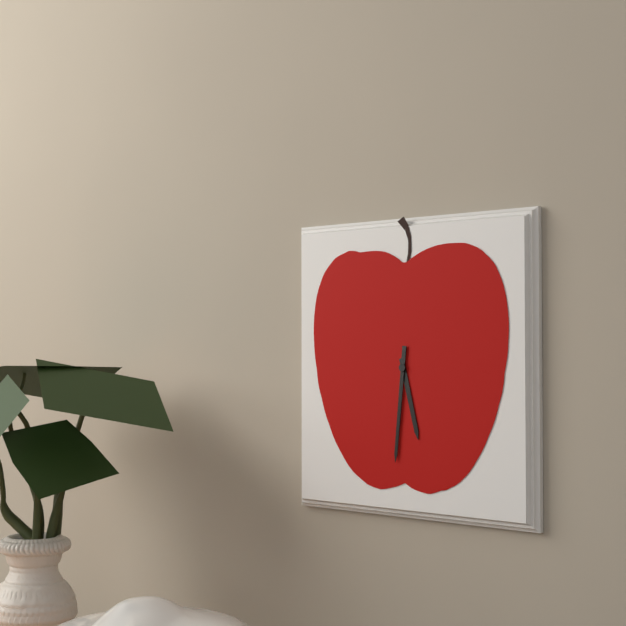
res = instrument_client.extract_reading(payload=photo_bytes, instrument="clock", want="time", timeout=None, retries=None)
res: 5:31
